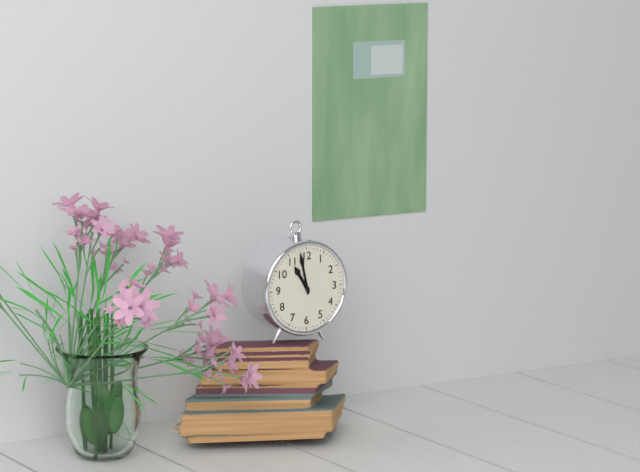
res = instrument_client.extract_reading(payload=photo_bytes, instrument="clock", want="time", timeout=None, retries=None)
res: 10:58
